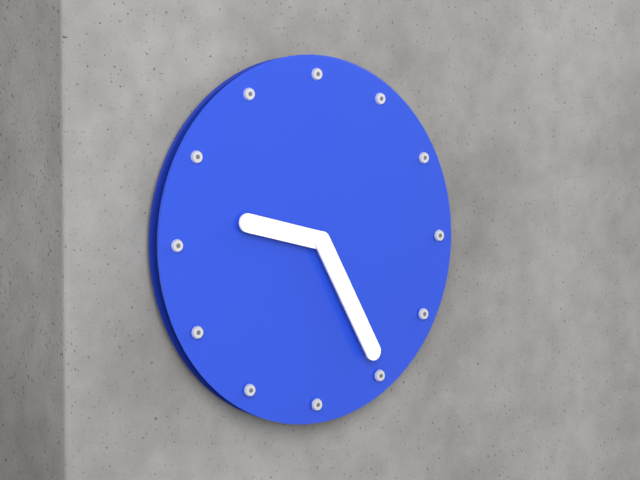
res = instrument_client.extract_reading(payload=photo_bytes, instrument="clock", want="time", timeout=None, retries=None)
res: 9:25
